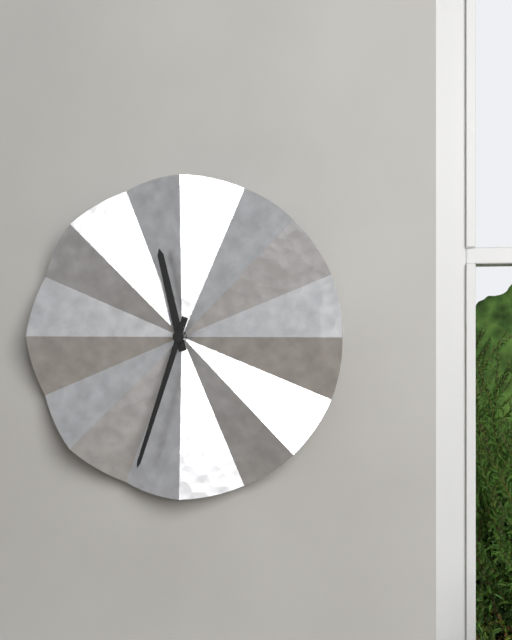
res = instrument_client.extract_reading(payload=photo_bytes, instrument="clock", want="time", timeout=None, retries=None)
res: 11:33
